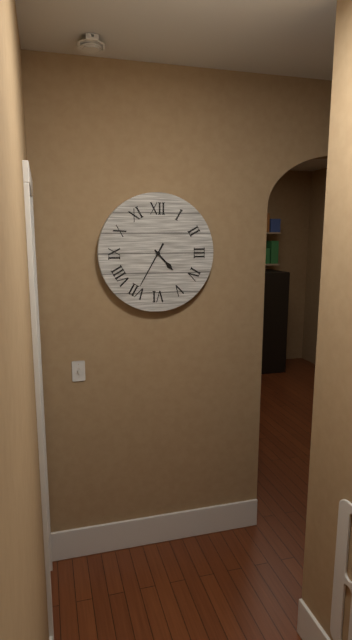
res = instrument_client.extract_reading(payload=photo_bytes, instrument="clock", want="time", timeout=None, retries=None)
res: 4:35
